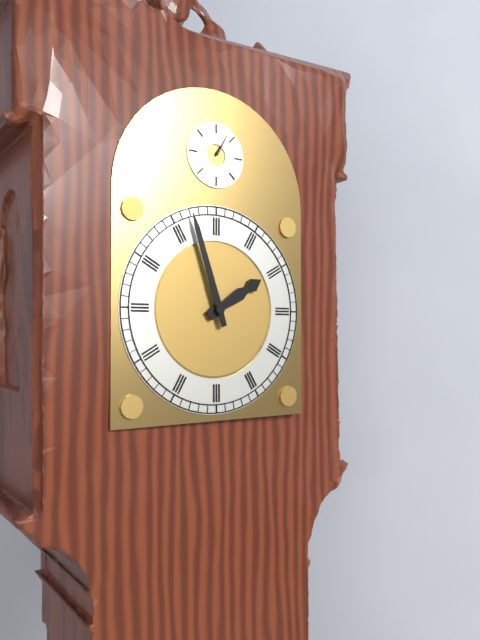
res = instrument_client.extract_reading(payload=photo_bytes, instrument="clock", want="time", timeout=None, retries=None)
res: 1:57
